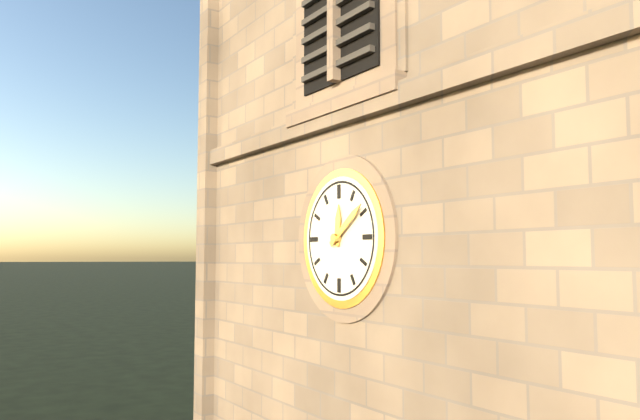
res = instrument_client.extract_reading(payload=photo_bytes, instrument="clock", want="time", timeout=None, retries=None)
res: 12:09
